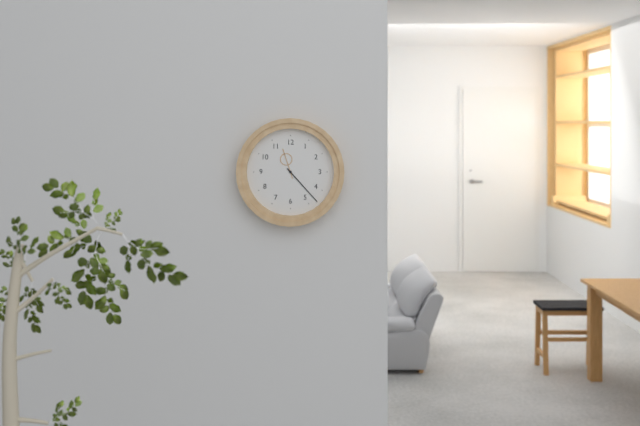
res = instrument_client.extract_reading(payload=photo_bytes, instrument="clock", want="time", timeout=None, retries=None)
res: 11:23
